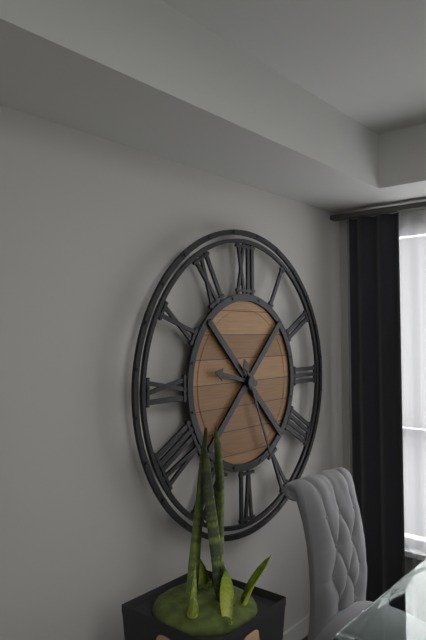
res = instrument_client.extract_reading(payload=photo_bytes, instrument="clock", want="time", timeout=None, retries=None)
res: 9:26
